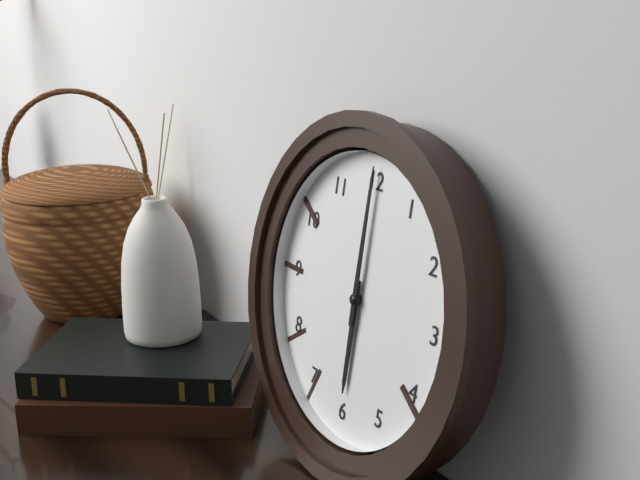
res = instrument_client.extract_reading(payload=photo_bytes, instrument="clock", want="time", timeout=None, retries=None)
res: 6:00
